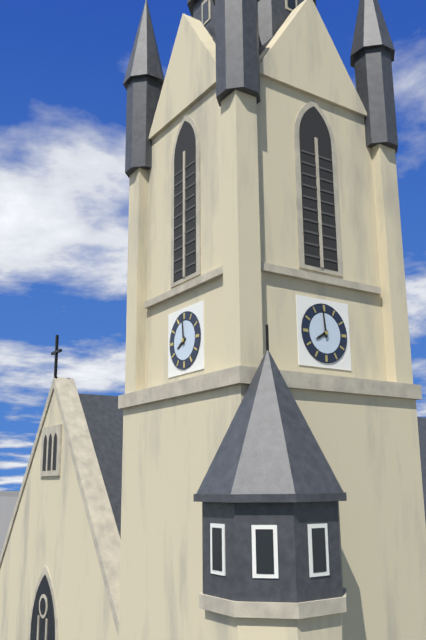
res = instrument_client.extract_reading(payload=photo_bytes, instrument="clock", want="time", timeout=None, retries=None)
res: 7:59
